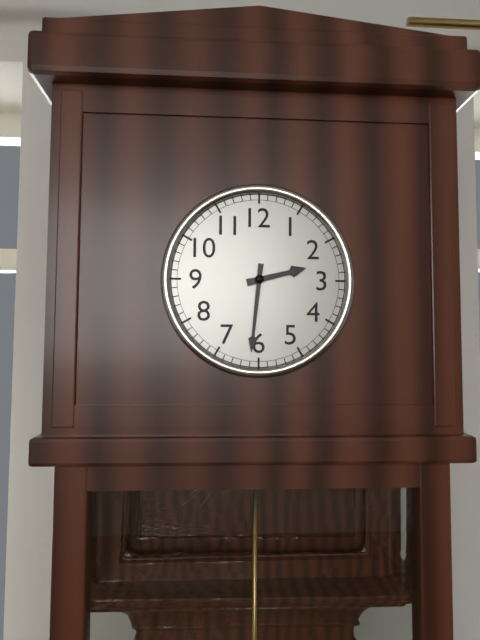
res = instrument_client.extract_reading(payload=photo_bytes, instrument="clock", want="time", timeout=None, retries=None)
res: 2:31
